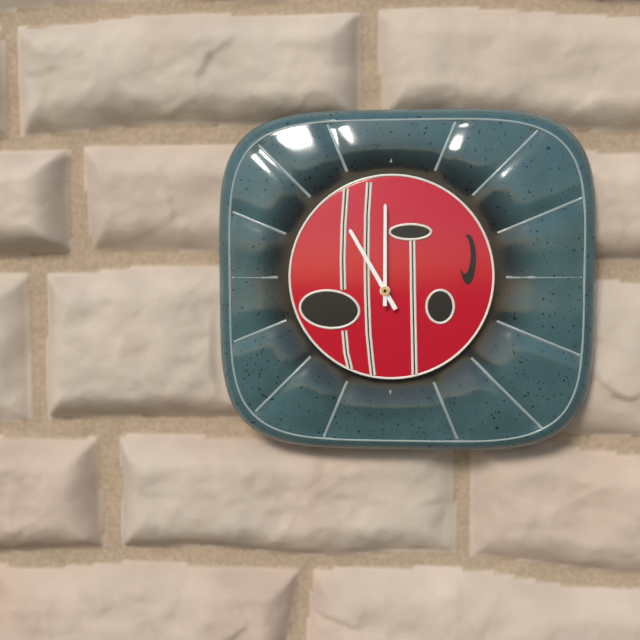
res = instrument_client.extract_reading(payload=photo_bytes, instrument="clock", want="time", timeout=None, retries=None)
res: 11:00
